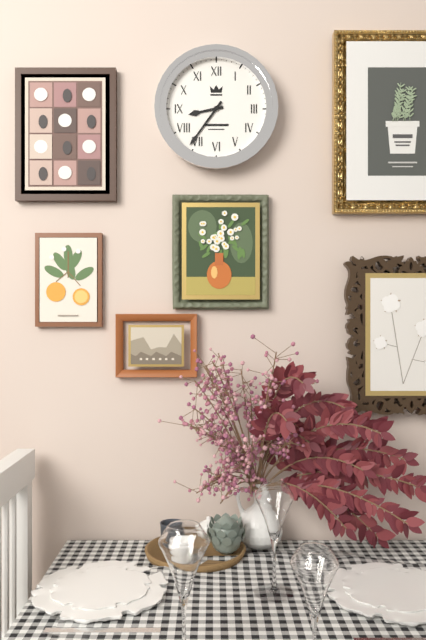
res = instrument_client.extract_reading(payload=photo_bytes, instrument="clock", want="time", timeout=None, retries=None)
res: 8:36
